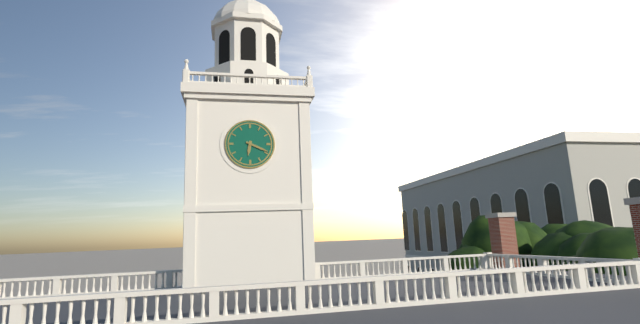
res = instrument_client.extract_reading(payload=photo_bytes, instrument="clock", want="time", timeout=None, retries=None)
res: 6:19
